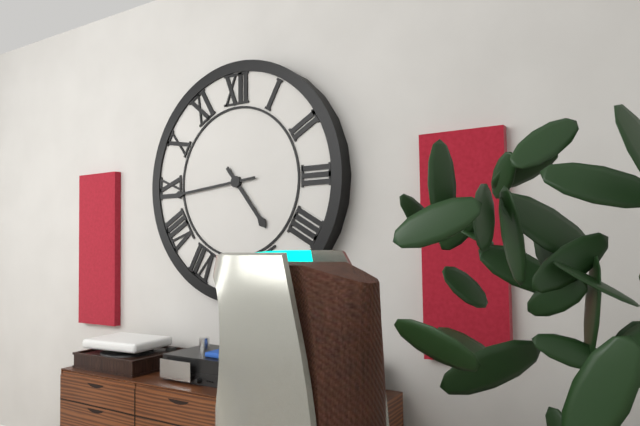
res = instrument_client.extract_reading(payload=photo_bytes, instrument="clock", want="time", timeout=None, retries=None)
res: 4:44
